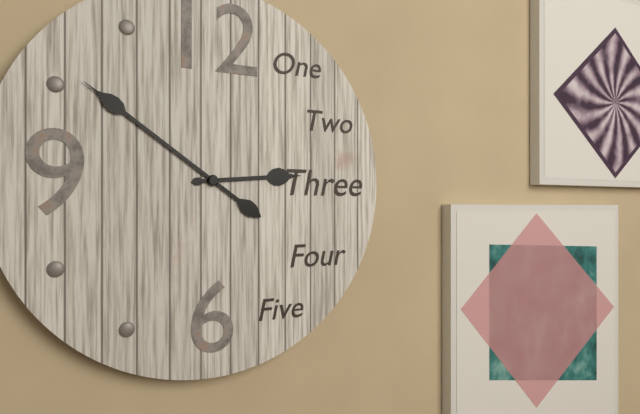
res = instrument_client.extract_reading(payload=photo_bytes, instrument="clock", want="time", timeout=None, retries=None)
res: 2:51
